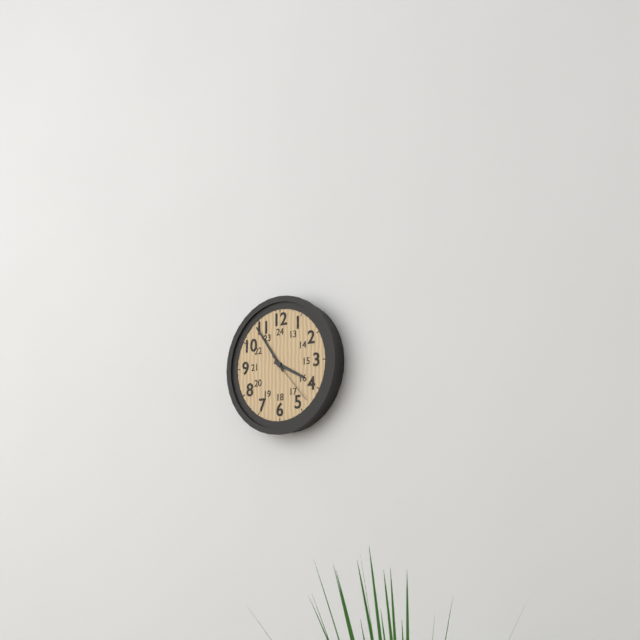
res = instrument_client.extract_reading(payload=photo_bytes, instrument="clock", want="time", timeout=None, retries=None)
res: 3:54:23
